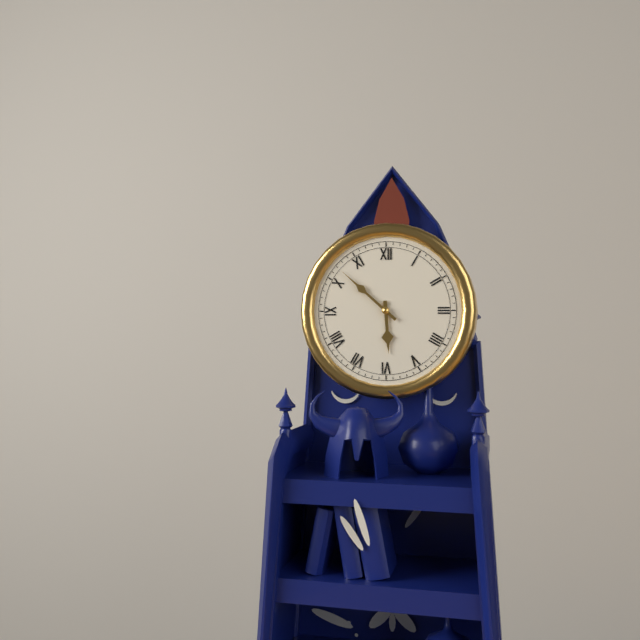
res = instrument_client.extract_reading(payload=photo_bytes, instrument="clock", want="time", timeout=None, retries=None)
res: 5:52
